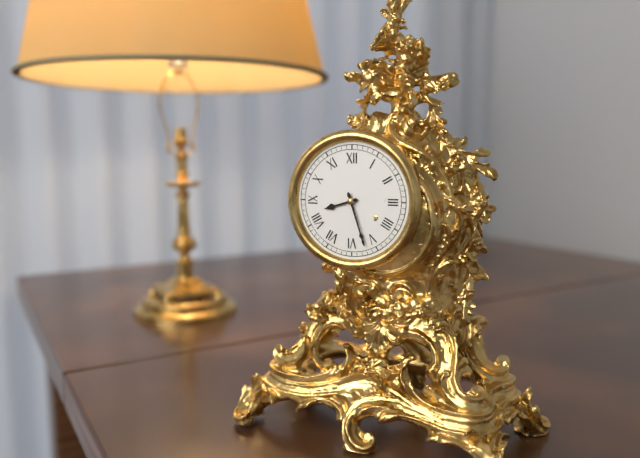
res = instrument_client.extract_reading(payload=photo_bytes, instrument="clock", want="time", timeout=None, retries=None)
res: 8:27
